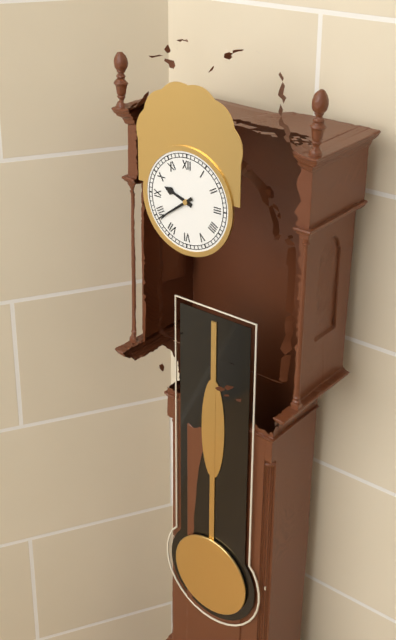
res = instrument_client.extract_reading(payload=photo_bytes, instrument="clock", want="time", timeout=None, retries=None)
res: 9:39
